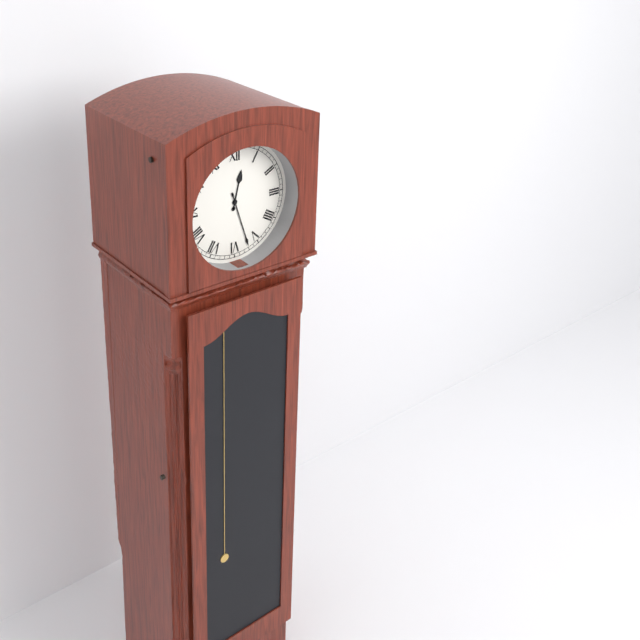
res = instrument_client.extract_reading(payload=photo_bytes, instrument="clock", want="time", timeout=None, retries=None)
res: 12:27
